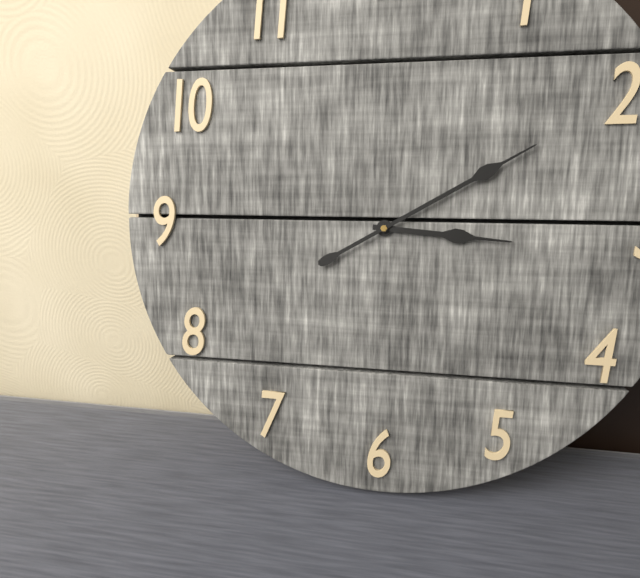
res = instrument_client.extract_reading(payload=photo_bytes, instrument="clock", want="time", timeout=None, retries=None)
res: 3:10
